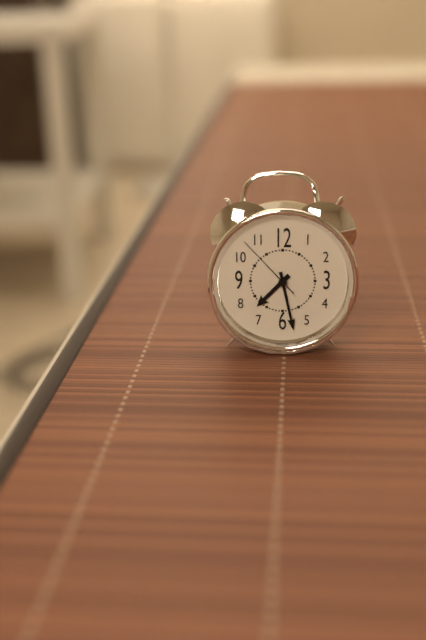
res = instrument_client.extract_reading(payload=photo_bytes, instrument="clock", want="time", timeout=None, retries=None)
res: 7:28:53
